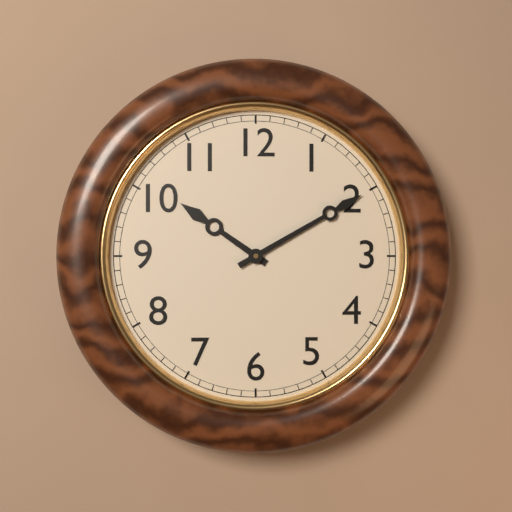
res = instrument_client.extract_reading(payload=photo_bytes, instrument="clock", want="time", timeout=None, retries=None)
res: 10:10
